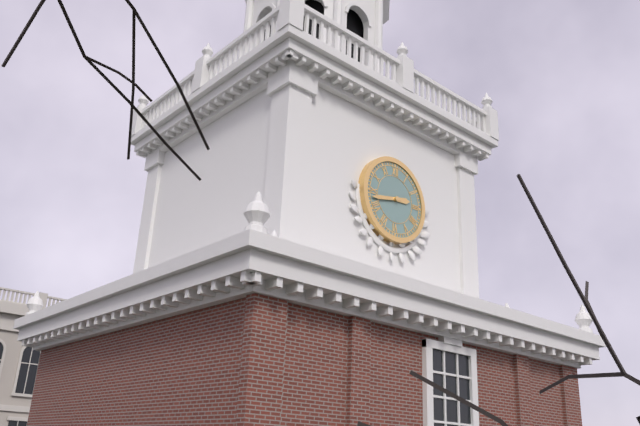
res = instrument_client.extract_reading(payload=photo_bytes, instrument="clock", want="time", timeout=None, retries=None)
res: 2:43
